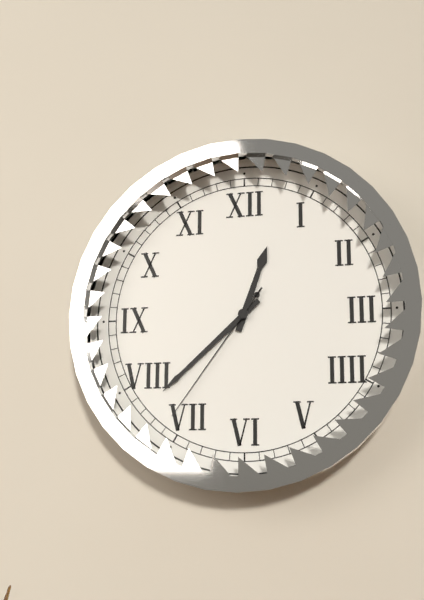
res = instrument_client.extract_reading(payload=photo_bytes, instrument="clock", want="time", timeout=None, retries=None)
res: 12:38:36
